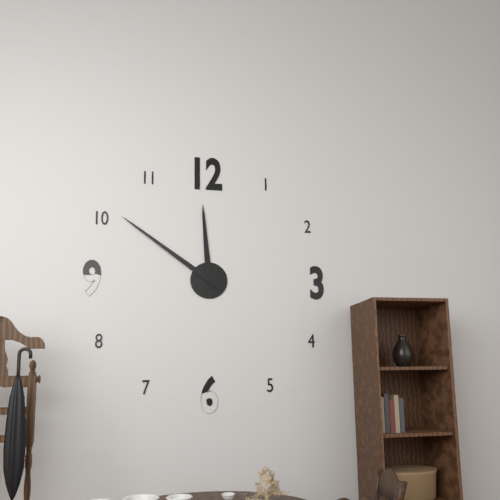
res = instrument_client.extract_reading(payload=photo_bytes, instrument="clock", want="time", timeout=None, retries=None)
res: 11:51
